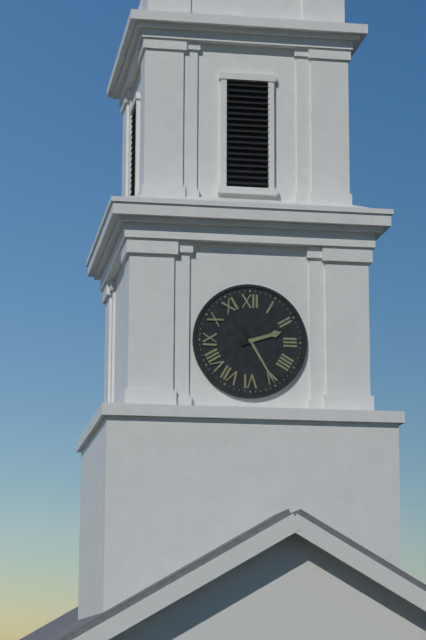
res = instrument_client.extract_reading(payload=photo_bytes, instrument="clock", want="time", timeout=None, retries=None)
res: 2:25
